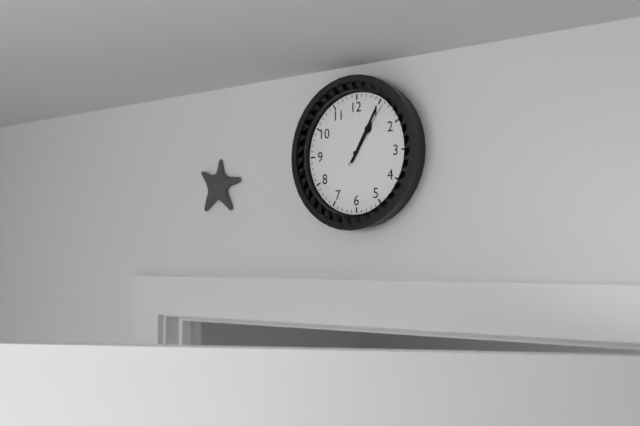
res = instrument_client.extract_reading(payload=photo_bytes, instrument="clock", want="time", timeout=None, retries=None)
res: 1:05:06
